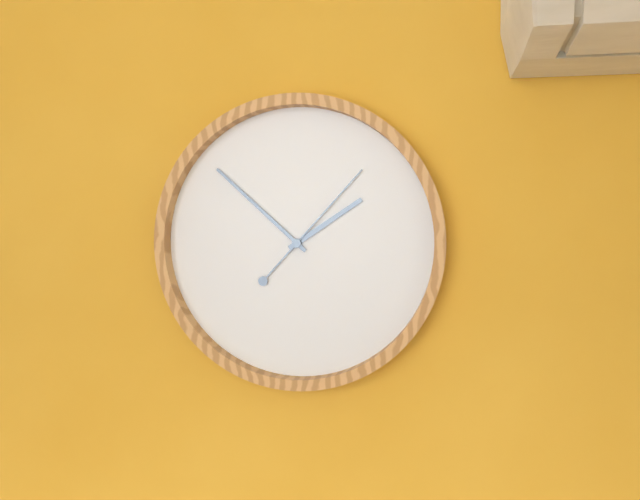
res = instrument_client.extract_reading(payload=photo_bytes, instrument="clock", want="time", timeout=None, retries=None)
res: 1:52:07
